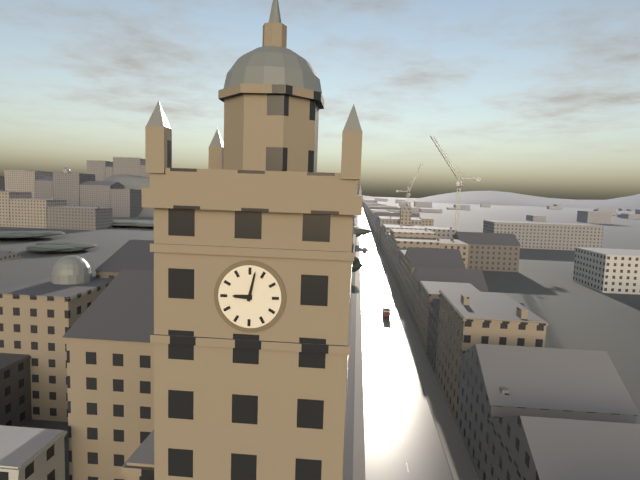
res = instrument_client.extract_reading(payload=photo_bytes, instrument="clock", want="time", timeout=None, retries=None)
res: 9:02
